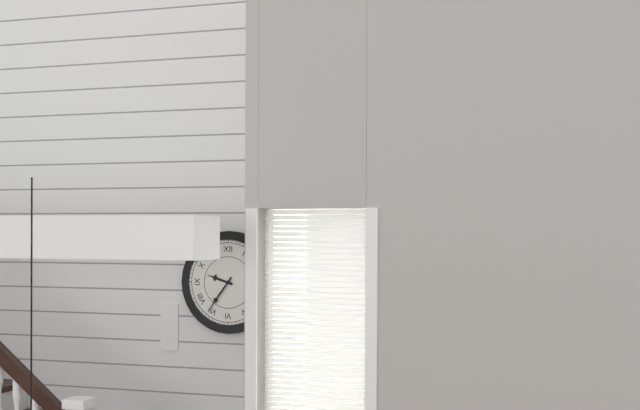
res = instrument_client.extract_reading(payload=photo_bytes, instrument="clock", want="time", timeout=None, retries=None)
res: 9:36
